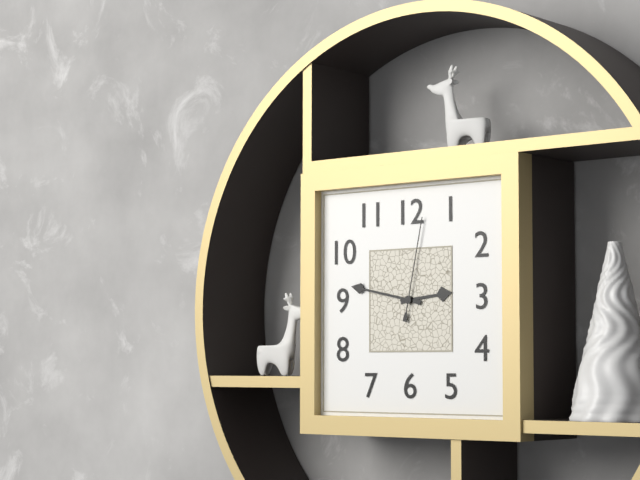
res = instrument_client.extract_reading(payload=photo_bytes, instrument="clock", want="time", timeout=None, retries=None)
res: 2:47:02
